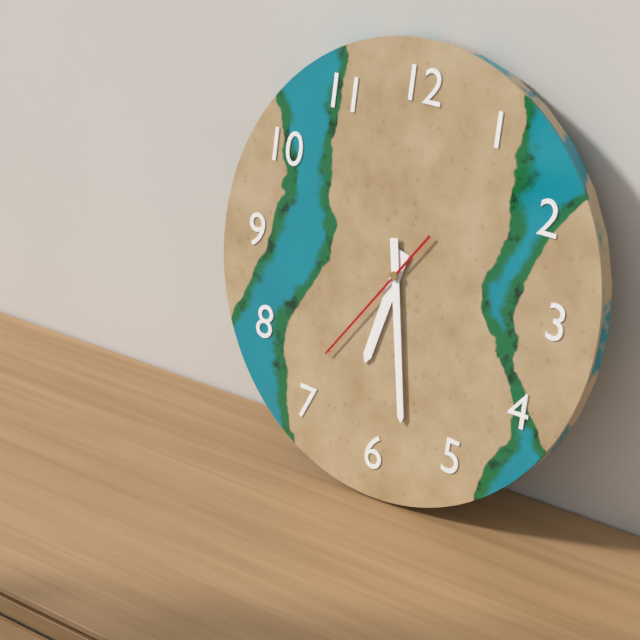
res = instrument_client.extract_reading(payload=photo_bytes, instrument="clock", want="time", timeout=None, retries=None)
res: 6:28:36
